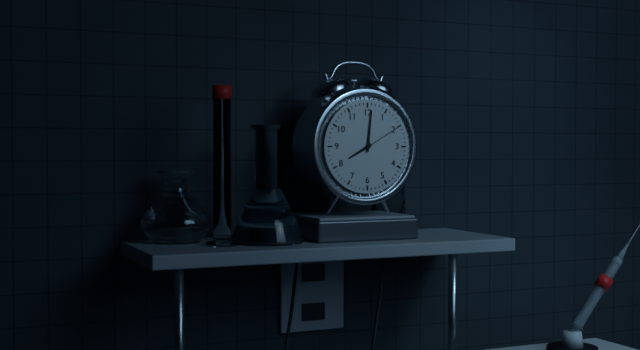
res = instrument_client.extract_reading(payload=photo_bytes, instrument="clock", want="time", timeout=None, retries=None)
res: 8:01
